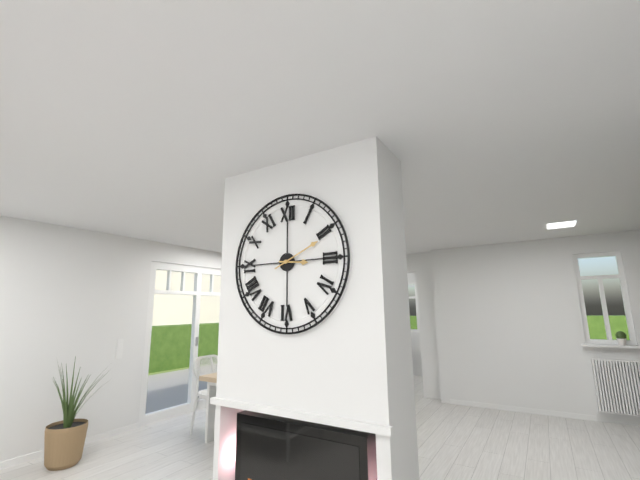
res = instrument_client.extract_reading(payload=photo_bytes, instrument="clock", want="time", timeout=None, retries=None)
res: 3:11
